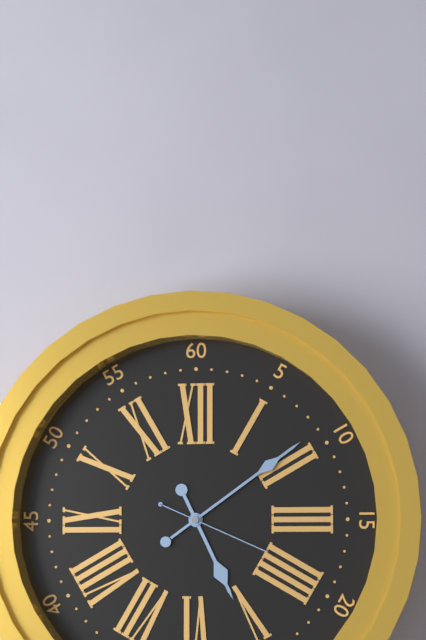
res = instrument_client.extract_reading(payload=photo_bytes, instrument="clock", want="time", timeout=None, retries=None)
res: 5:09:19
